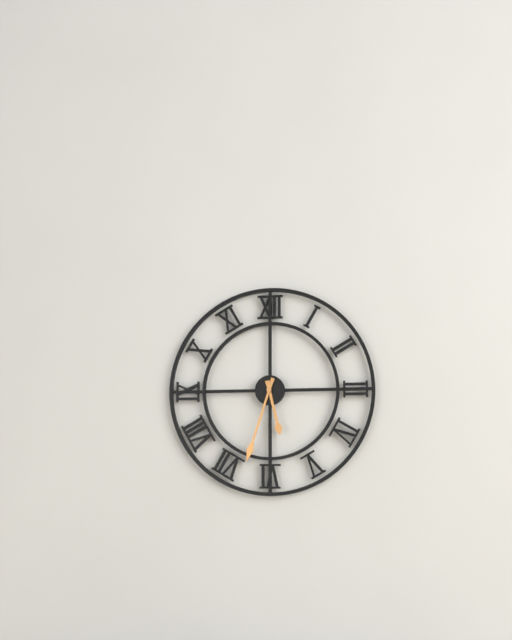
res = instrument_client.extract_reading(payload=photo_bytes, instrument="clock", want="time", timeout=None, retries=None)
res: 5:33
